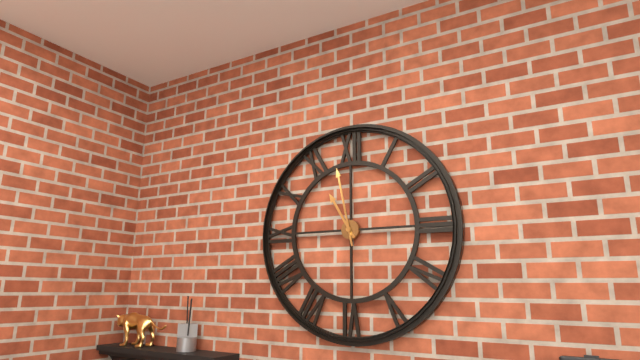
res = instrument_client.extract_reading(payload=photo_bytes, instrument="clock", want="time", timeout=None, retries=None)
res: 10:58
